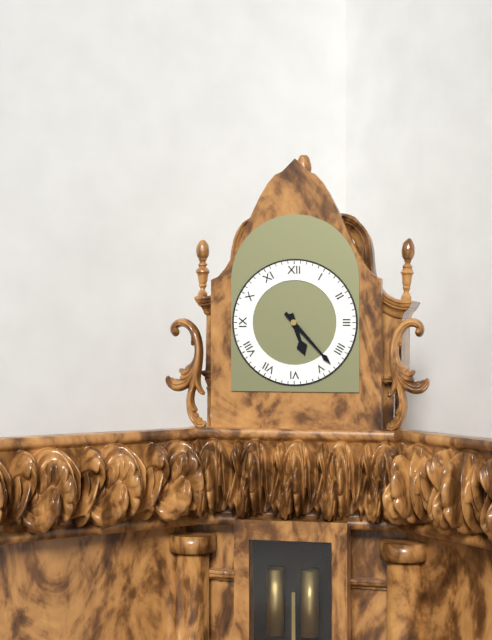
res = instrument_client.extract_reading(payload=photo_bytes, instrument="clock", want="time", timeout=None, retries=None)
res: 5:23
